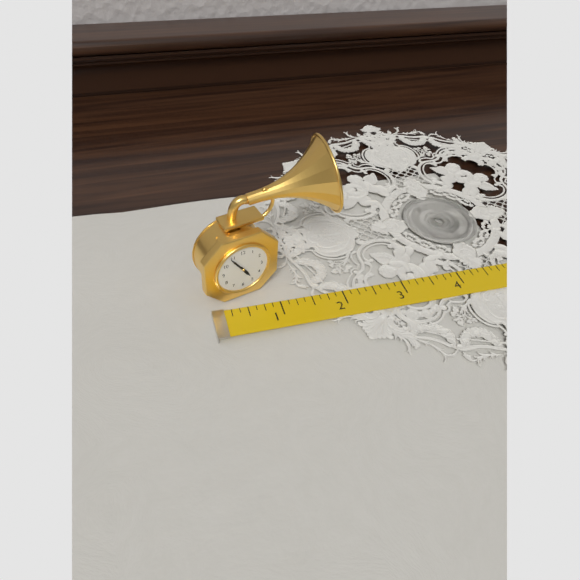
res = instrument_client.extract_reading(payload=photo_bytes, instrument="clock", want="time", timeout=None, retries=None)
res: 4:54
